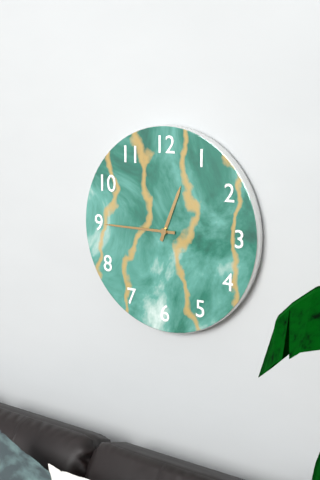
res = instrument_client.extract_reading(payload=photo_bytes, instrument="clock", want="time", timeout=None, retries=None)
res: 12:45
